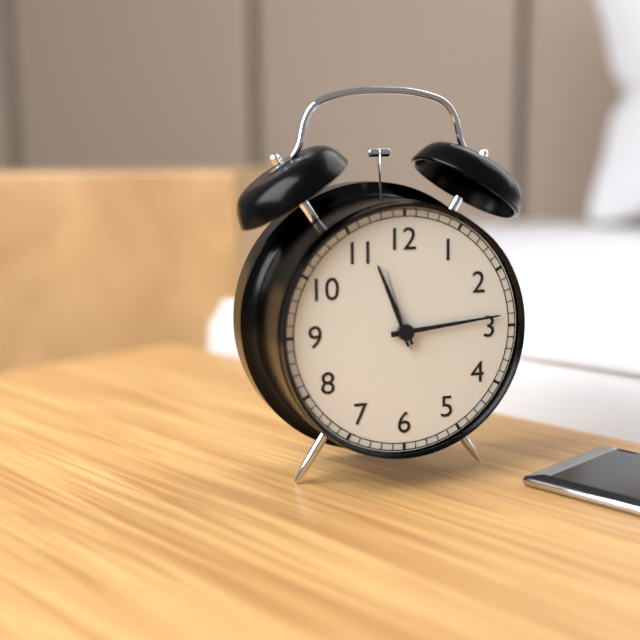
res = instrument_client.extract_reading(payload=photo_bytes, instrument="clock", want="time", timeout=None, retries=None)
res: 11:14:57
